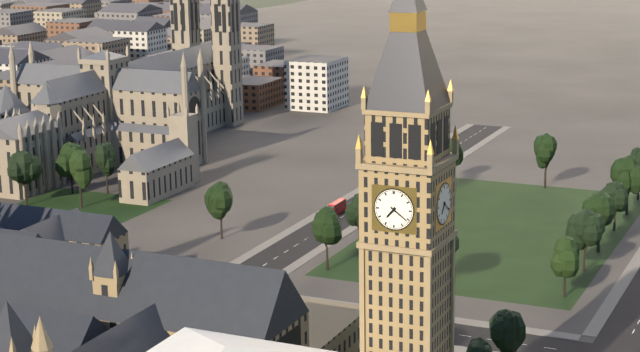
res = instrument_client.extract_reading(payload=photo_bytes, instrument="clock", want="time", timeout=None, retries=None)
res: 7:21
